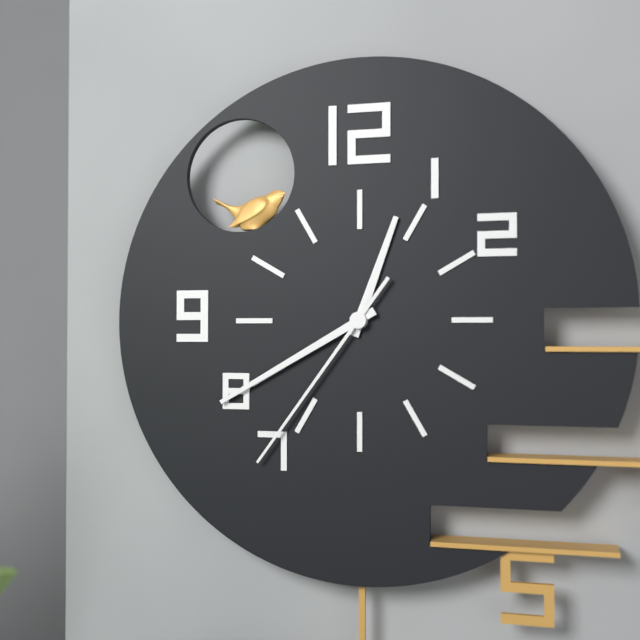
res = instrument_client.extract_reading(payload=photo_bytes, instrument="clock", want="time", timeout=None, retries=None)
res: 12:40:36
